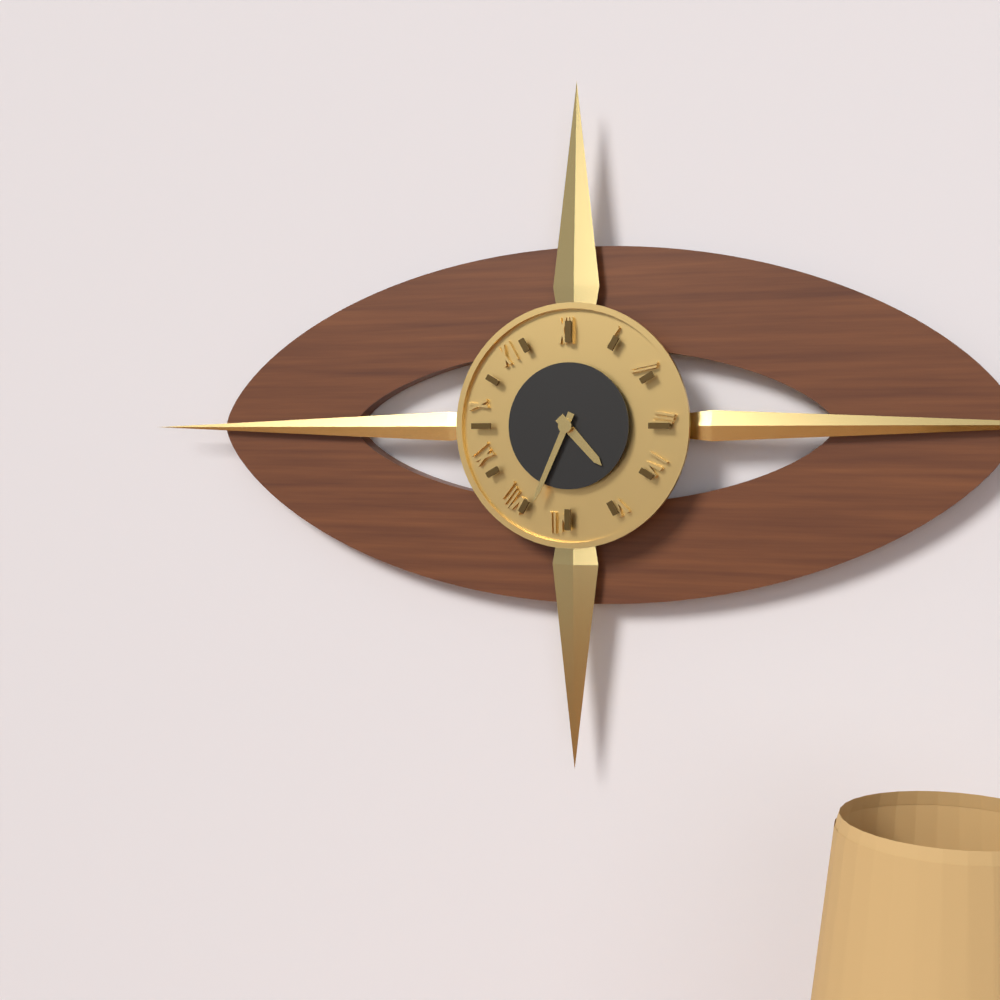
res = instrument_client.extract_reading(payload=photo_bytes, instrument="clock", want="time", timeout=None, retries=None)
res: 4:34
